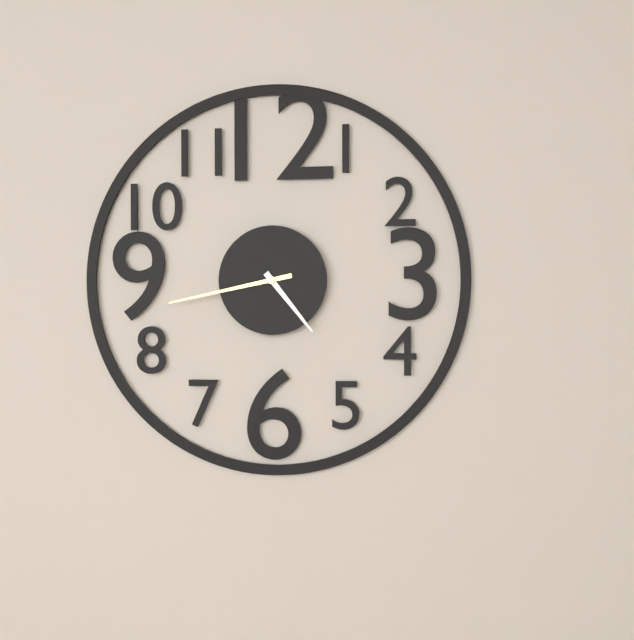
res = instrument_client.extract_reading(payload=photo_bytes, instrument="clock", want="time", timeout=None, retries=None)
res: 4:43
